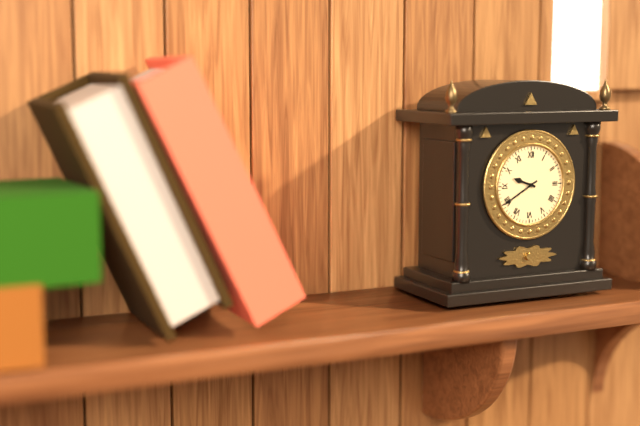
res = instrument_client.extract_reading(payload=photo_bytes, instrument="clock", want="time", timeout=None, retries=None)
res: 9:40
